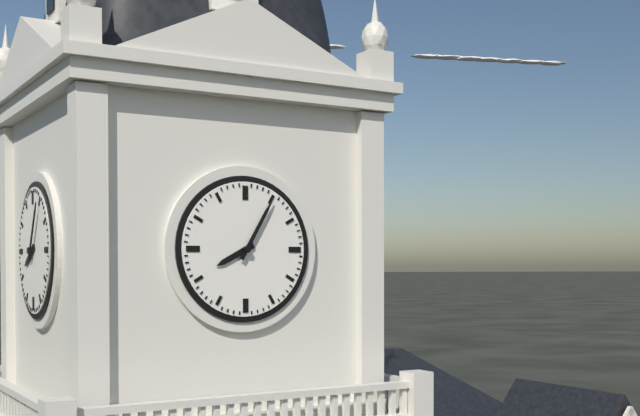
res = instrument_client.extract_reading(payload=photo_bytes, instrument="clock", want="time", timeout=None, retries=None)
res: 8:05
